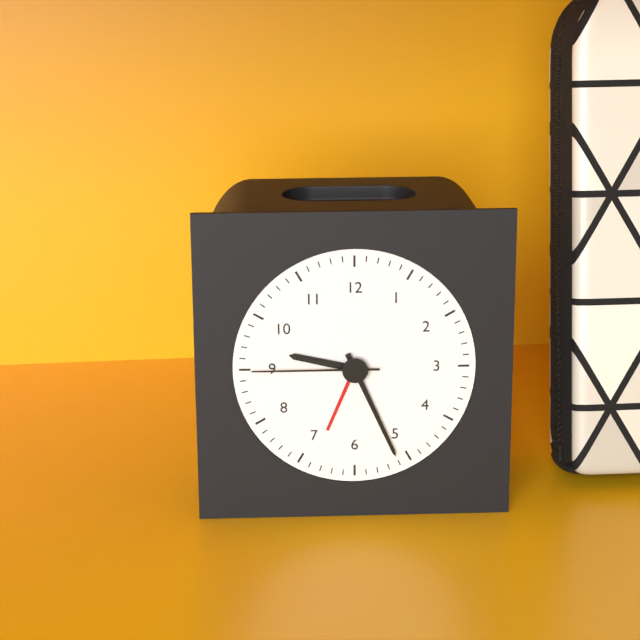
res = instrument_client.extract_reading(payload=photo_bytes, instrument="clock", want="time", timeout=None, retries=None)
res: 9:26:45
